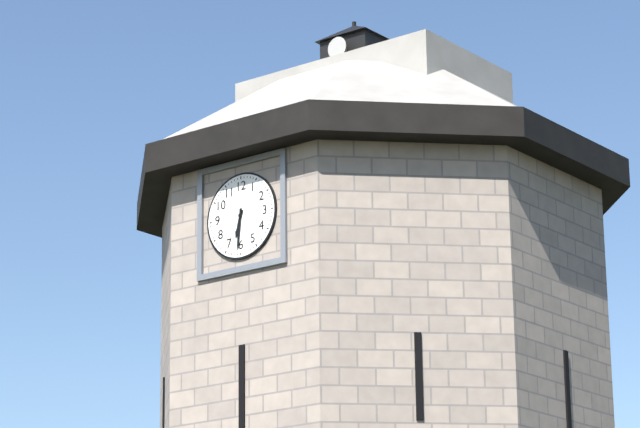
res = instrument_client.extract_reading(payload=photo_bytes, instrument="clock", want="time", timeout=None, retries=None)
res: 6:31
